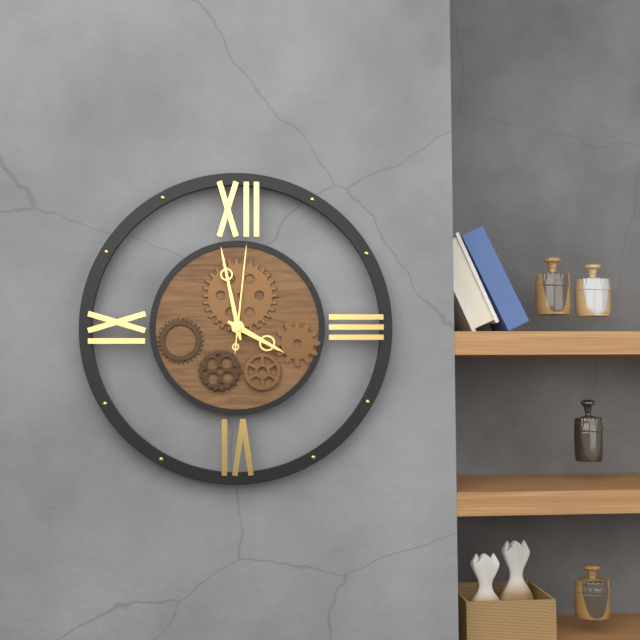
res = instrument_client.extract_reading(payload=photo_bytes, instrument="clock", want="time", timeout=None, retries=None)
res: 3:58:01
